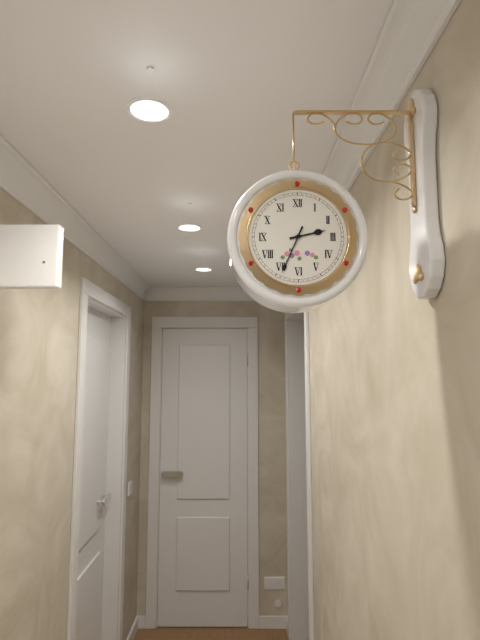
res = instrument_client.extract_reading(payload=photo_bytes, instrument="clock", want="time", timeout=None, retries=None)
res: 2:34
